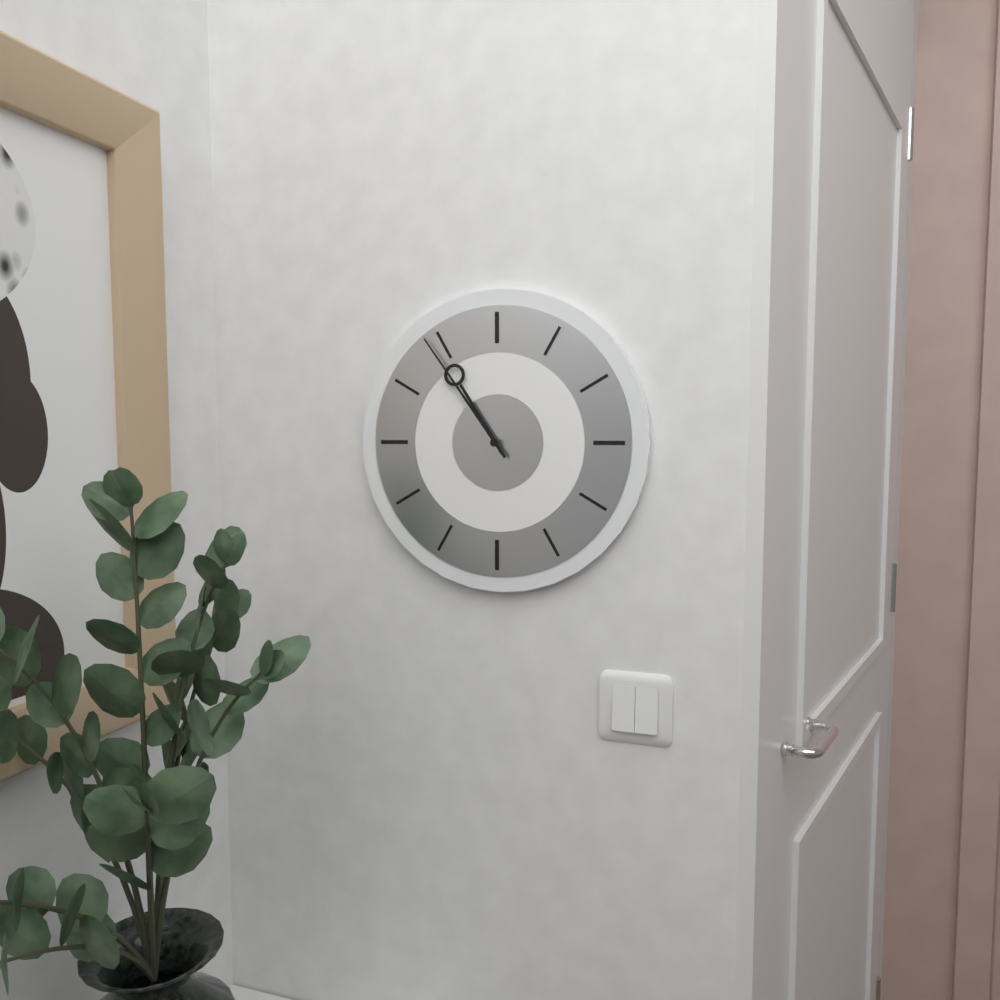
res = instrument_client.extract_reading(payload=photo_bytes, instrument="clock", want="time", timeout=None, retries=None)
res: 10:54
